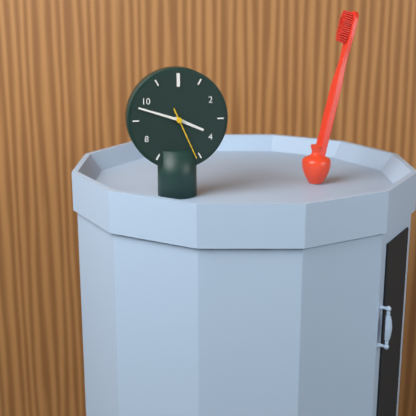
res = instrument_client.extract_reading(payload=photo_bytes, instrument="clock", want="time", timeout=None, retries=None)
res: 3:48:26
